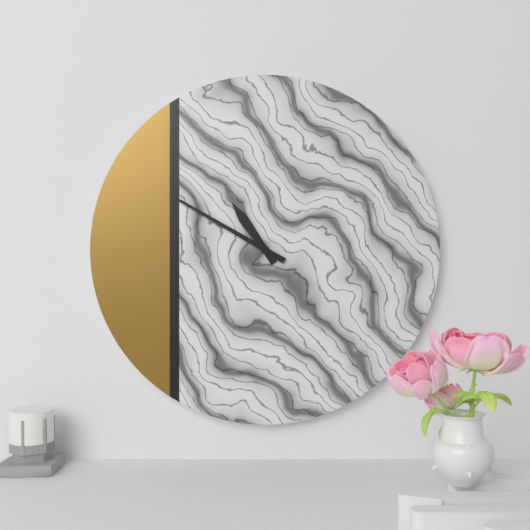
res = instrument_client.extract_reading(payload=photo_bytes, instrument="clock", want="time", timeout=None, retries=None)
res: 10:50
